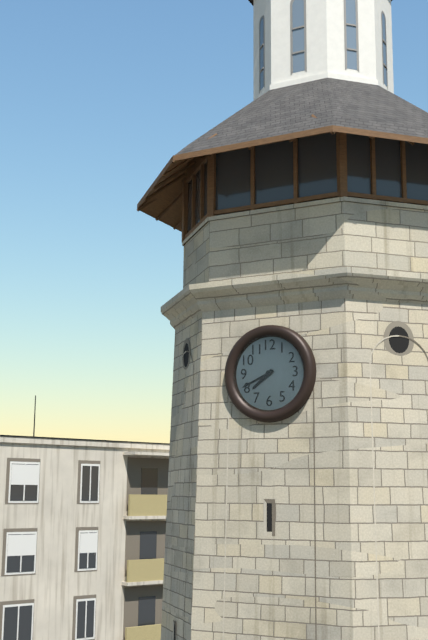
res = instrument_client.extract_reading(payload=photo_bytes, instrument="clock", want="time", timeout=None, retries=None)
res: 7:41
